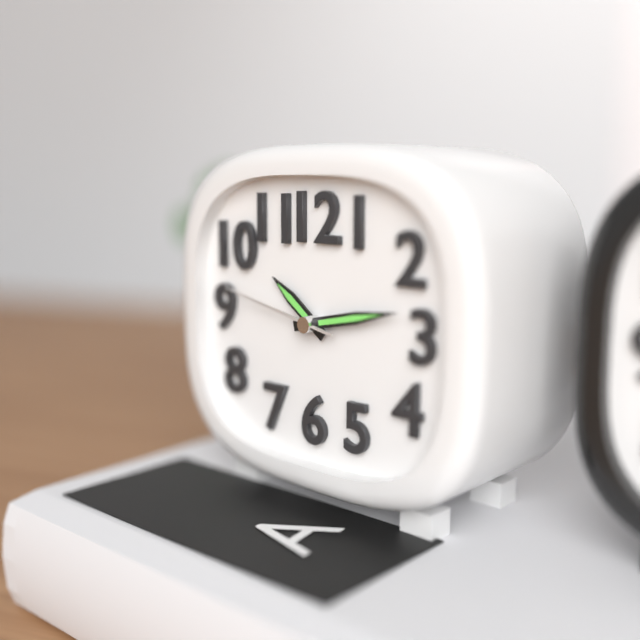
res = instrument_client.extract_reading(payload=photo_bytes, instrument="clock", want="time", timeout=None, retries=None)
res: 10:13:47
